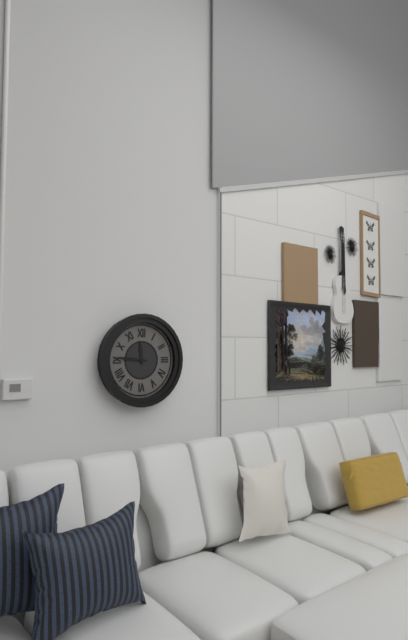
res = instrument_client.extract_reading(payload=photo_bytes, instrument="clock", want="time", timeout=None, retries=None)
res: 11:46
